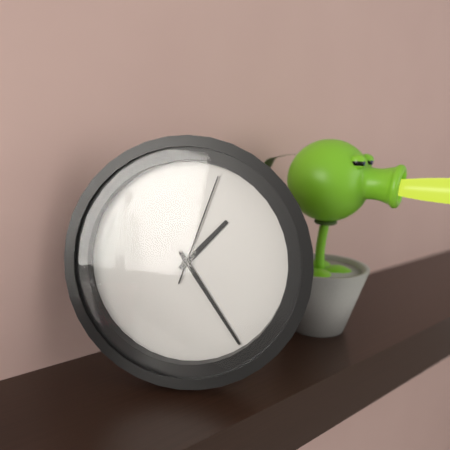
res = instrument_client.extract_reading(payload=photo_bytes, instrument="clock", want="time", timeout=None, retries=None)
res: 1:24:03
